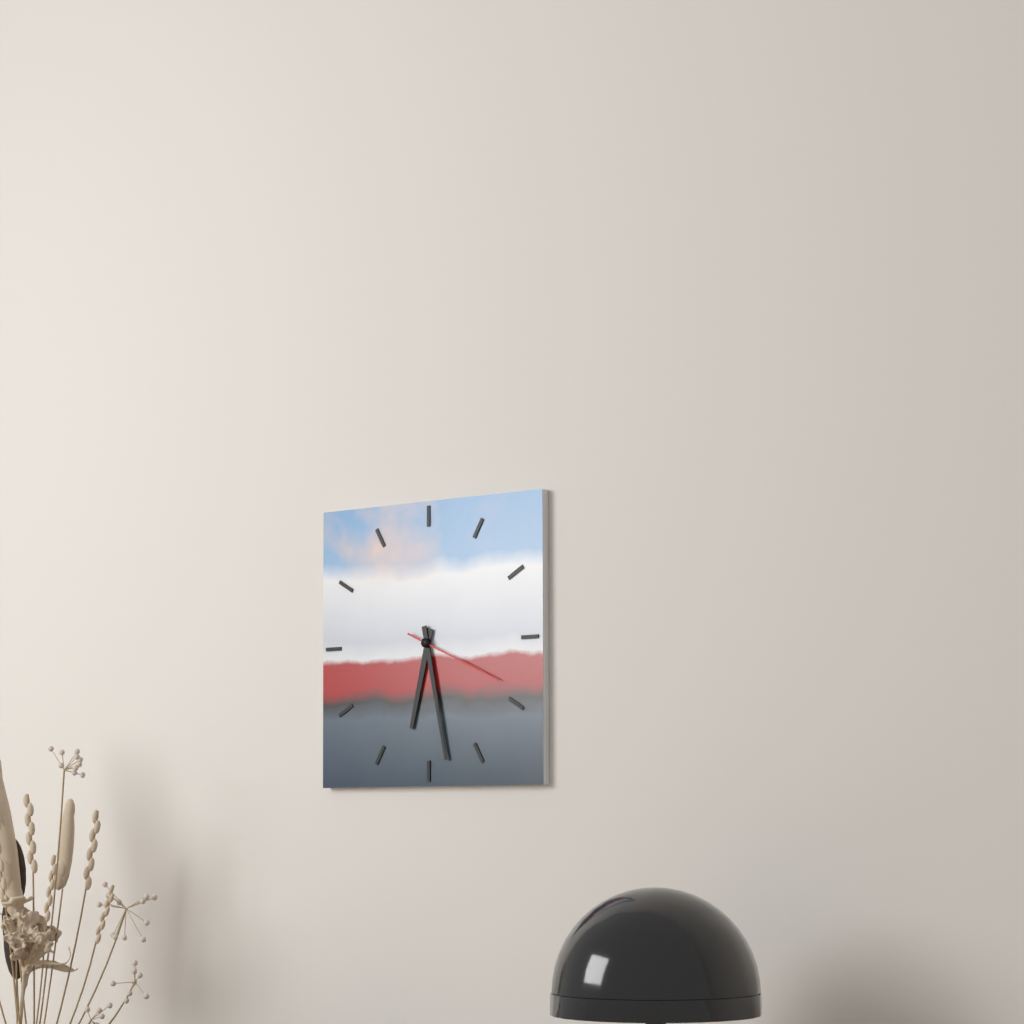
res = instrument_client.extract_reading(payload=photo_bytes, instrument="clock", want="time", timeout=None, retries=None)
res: 6:28:19
